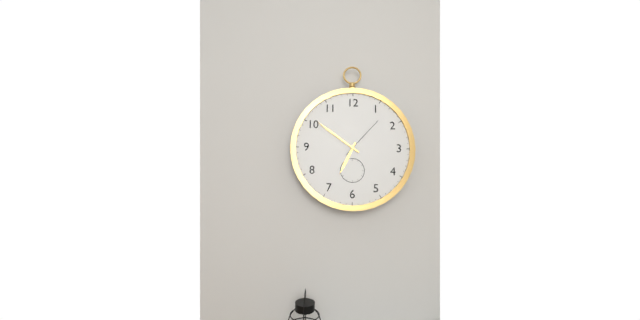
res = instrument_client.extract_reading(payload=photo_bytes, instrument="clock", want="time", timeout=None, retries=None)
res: 6:51
